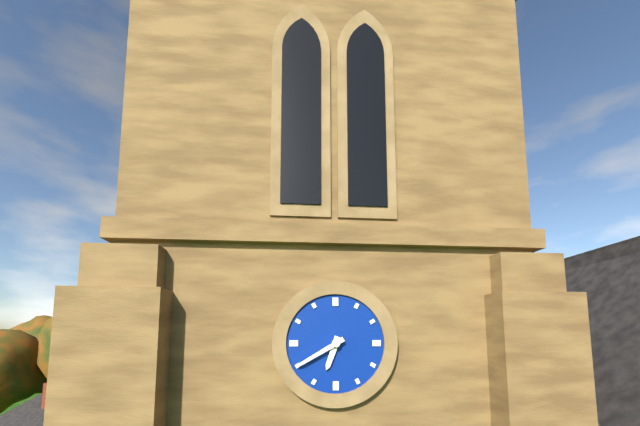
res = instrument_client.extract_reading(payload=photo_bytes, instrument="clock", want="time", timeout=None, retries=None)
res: 6:40
